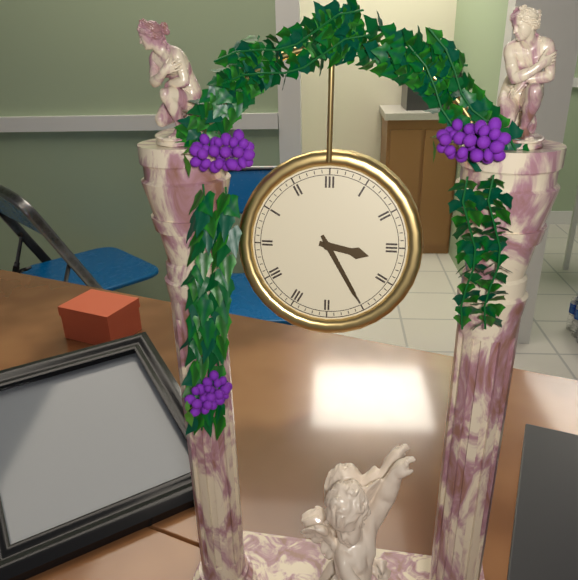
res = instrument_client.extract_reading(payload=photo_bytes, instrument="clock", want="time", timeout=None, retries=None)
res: 3:25
